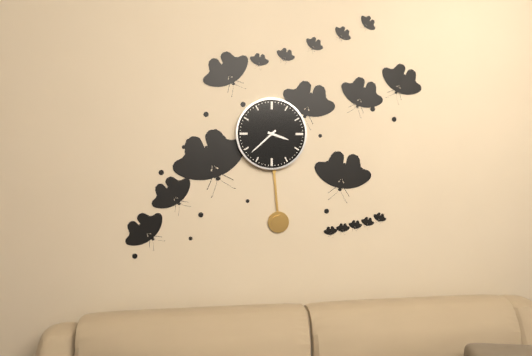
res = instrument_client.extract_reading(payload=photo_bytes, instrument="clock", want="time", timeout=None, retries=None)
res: 3:38
